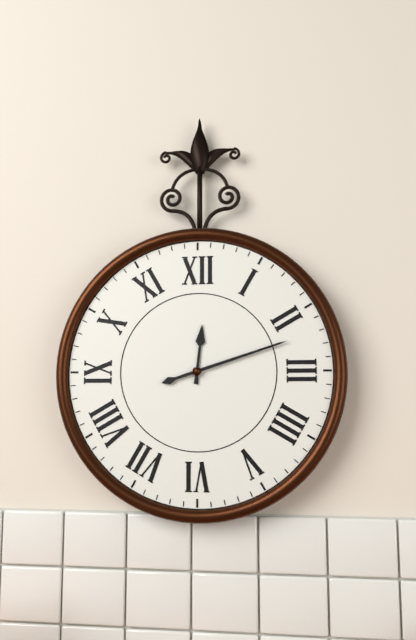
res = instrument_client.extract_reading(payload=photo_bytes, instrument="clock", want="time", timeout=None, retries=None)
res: 12:12
